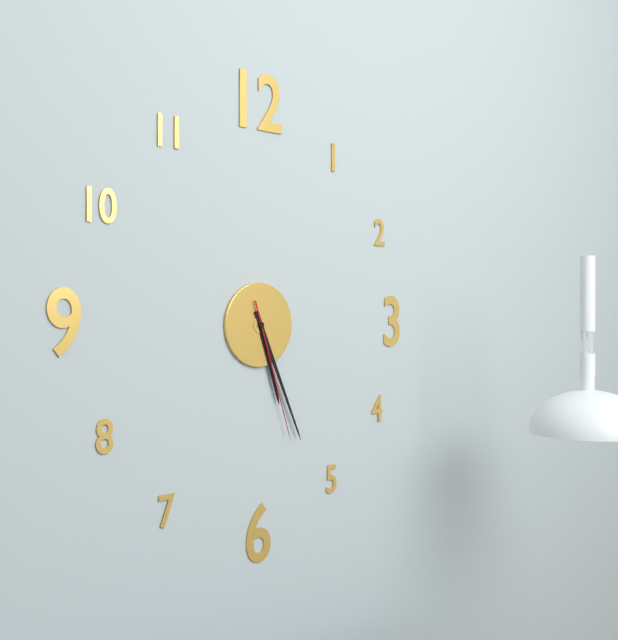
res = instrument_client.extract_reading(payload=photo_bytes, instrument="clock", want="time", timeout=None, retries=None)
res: 5:26:27
